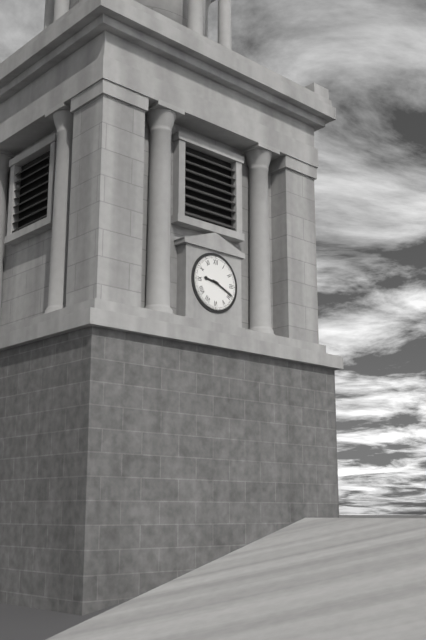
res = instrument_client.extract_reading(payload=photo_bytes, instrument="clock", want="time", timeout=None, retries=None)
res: 9:19
